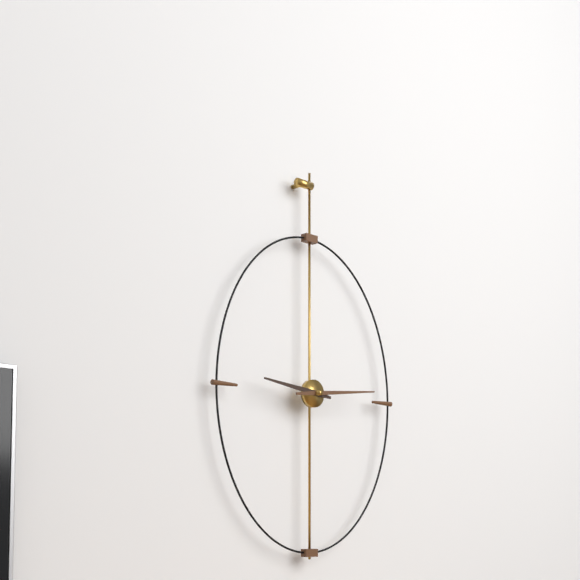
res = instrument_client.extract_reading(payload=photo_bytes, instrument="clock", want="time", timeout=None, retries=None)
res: 9:14
